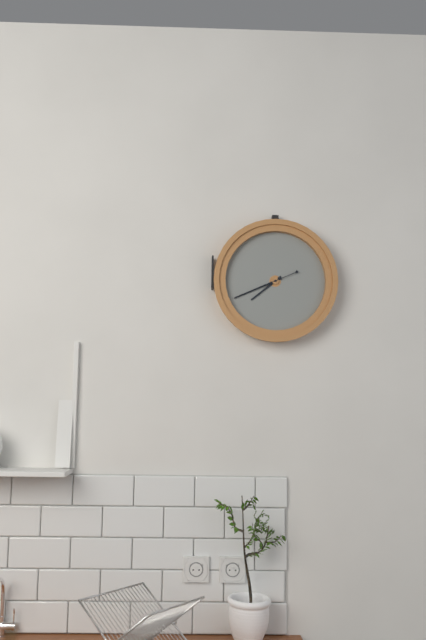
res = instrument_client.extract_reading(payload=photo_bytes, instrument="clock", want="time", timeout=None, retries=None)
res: 7:41
